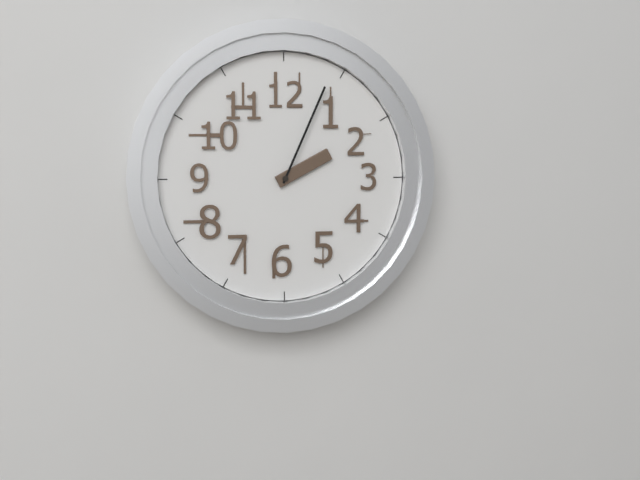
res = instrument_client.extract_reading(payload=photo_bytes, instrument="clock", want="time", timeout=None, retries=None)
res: 2:04
